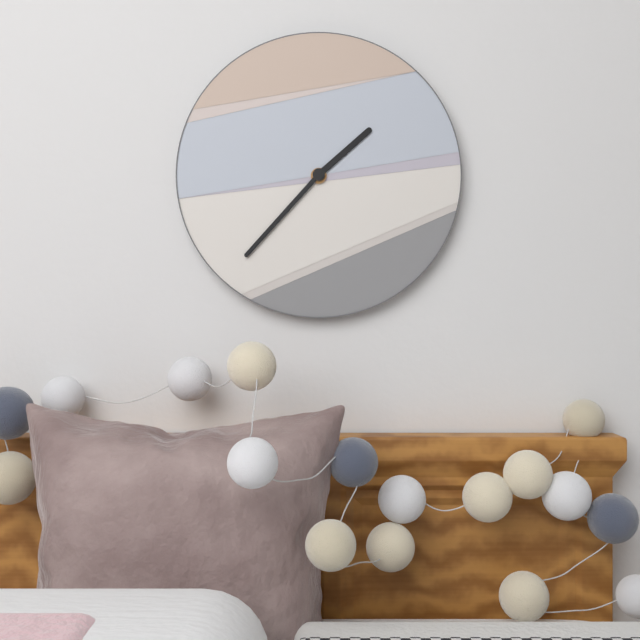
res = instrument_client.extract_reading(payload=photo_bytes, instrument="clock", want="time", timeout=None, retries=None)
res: 1:37
